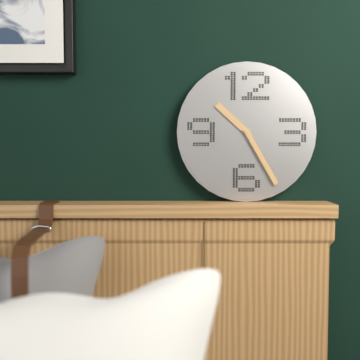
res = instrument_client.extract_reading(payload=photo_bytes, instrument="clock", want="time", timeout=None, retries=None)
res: 10:25
